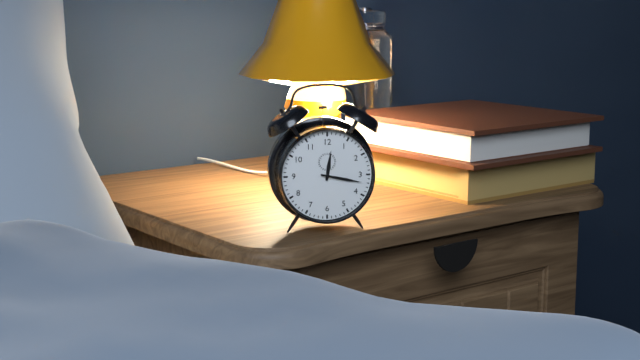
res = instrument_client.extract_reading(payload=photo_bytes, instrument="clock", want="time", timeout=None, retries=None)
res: 12:17
